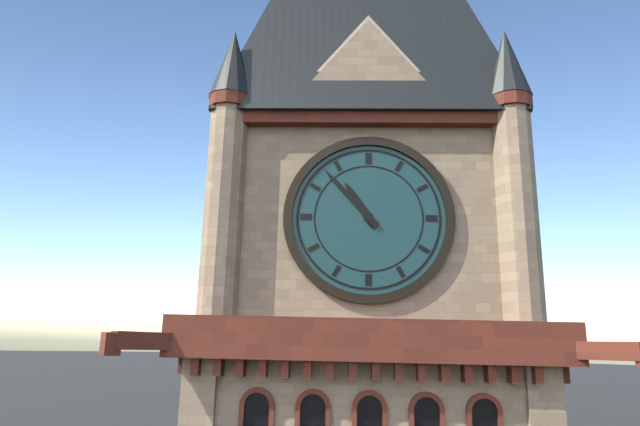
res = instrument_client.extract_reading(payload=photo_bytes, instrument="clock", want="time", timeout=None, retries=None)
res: 10:53
